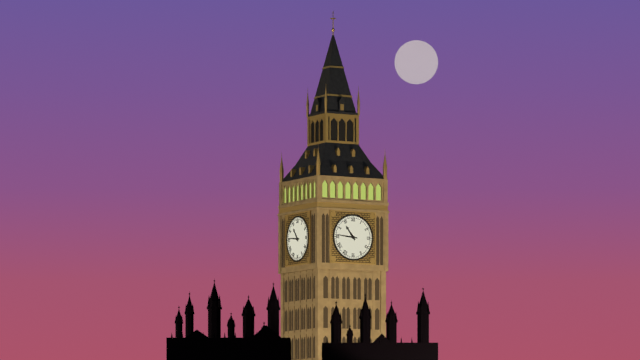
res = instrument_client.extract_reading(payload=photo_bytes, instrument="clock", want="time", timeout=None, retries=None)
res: 10:46
